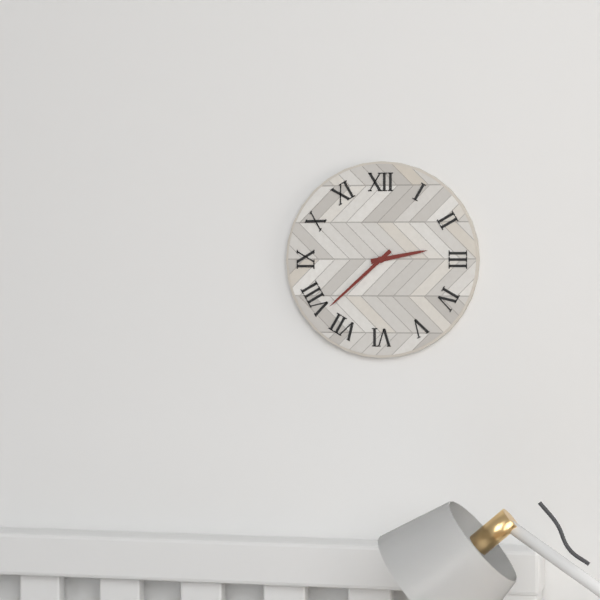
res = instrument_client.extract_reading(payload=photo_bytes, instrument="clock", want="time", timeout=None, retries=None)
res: 2:38
